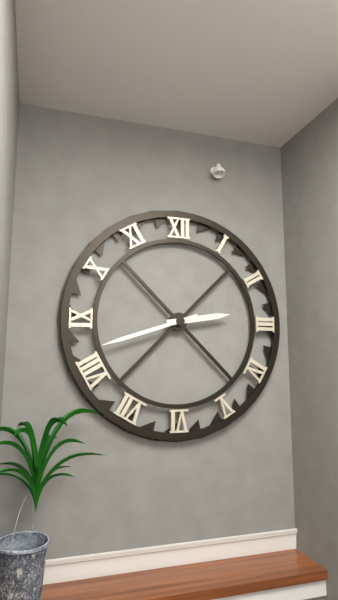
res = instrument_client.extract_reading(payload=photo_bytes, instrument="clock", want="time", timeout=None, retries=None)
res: 2:42
